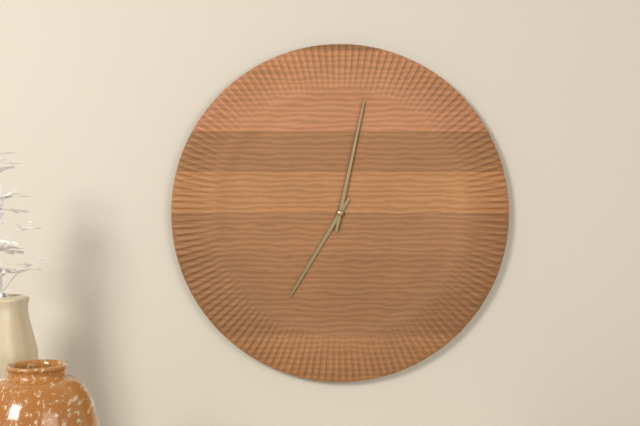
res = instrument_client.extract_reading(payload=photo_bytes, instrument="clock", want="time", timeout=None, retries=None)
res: 7:02
